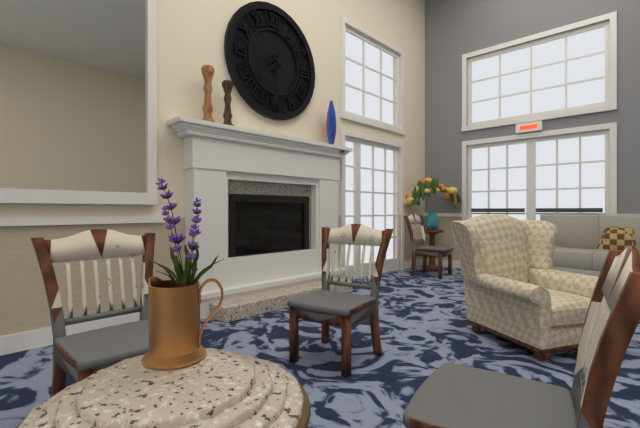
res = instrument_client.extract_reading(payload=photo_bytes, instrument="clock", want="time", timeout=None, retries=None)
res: 7:31
